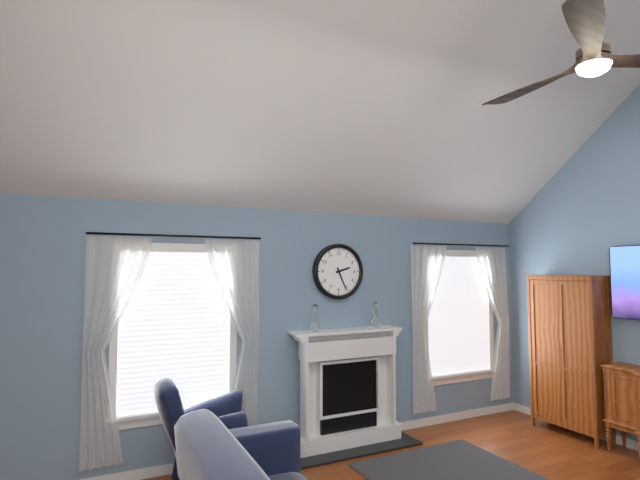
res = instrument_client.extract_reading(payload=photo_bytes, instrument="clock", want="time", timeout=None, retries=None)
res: 2:26
